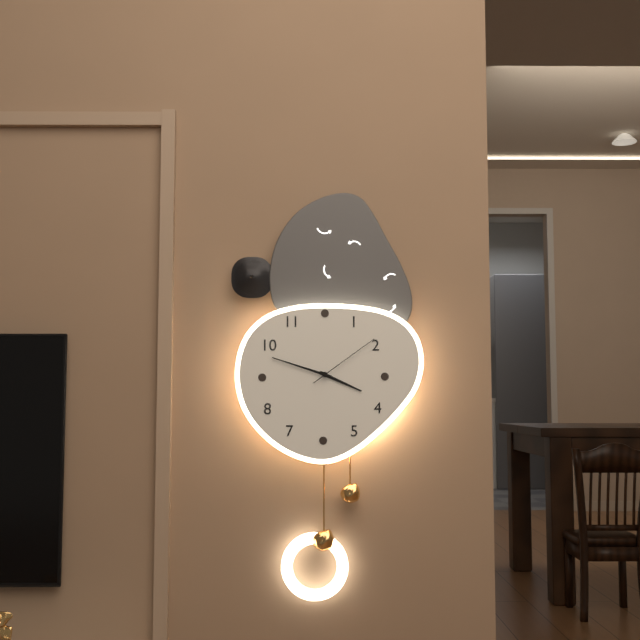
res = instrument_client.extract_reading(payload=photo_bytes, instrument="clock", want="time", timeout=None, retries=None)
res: 3:48:09
